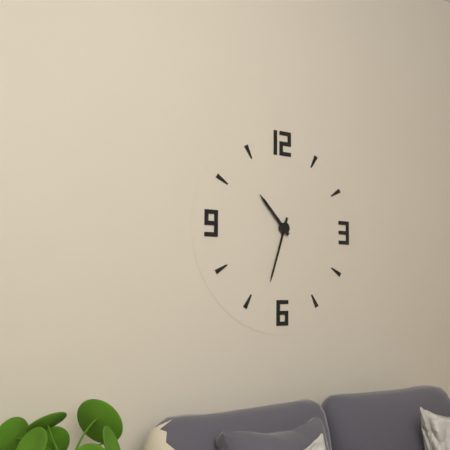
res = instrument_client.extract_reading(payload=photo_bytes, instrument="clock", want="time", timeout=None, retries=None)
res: 10:33
